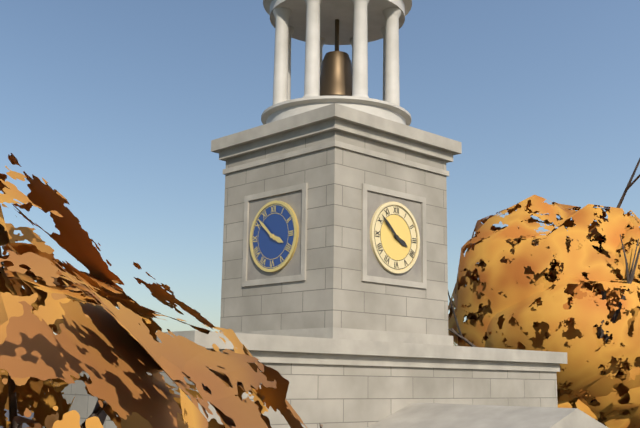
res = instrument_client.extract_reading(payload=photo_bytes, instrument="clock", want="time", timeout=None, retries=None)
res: 3:52
